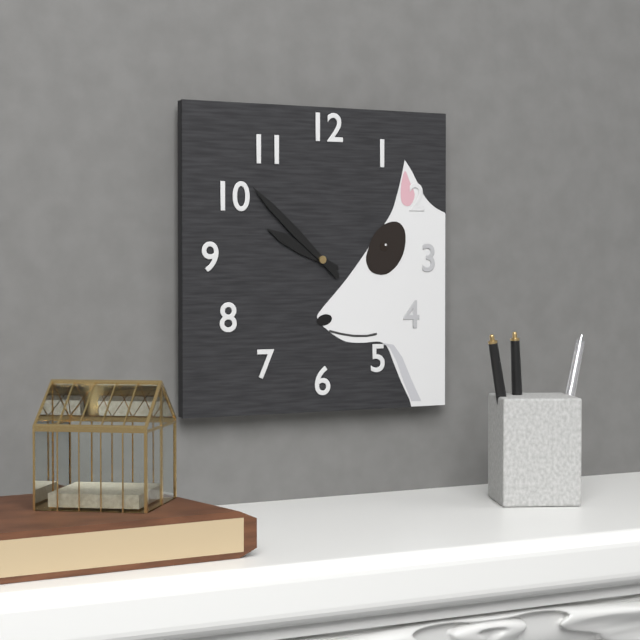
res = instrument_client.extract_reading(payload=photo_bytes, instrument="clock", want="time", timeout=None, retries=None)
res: 9:52
